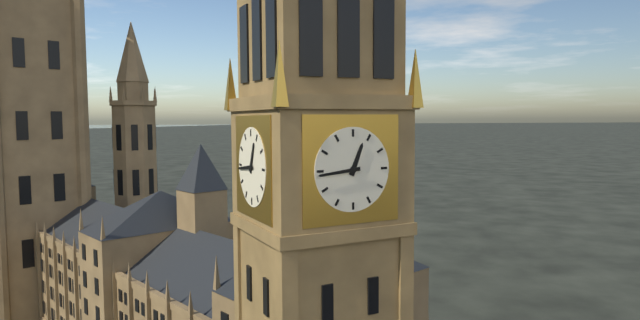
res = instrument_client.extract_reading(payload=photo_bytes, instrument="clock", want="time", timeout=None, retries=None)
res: 12:44
